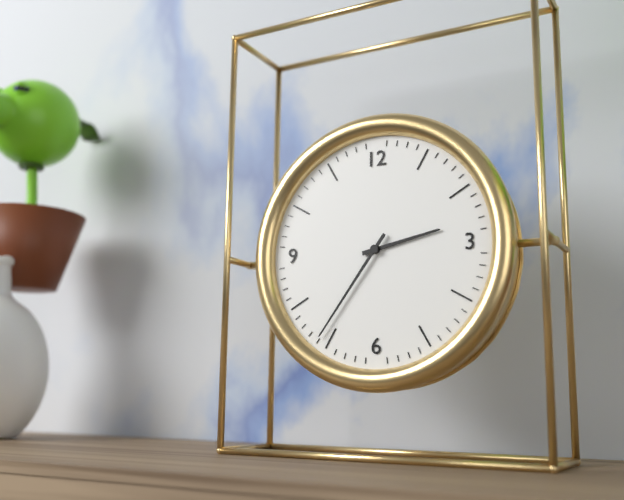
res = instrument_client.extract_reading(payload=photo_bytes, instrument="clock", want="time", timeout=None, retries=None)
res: 2:36
